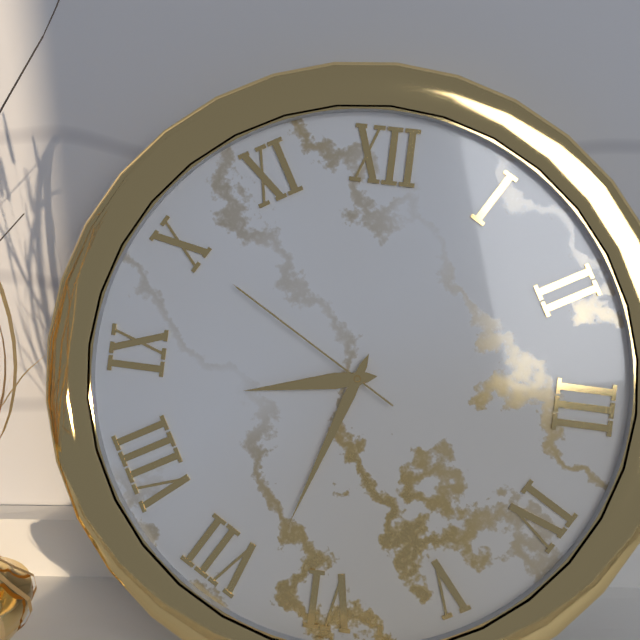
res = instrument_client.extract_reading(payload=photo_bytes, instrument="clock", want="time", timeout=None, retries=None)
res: 8:33:50
